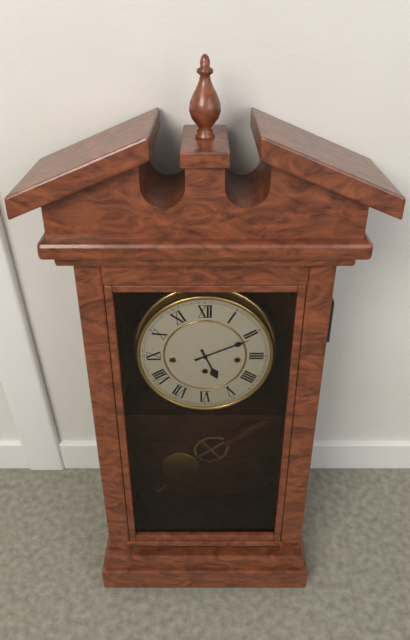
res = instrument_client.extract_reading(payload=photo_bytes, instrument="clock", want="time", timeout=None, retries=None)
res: 5:11
